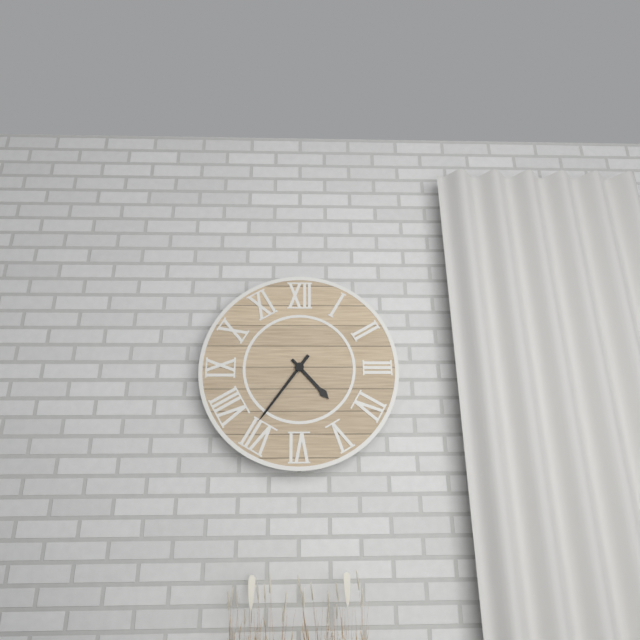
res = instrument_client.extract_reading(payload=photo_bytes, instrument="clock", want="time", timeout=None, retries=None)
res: 4:36
